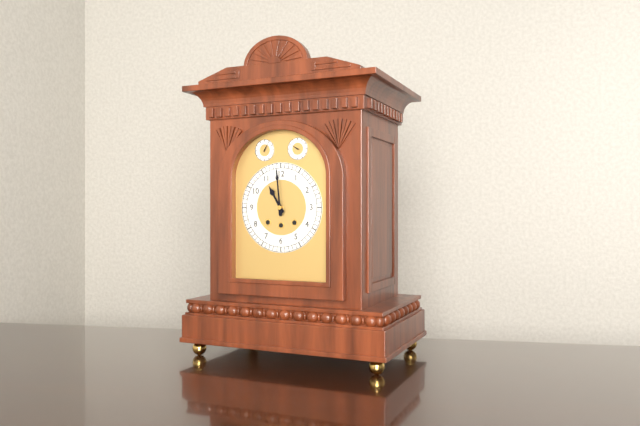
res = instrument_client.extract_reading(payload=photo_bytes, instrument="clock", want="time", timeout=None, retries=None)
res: 10:59
